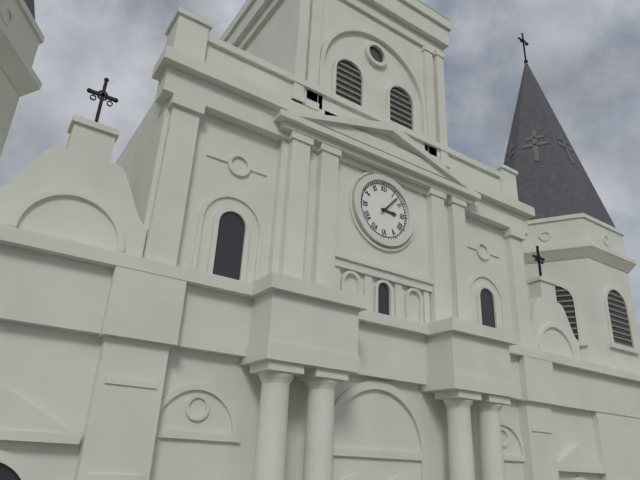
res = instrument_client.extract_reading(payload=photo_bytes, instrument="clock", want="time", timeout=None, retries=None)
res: 3:07
